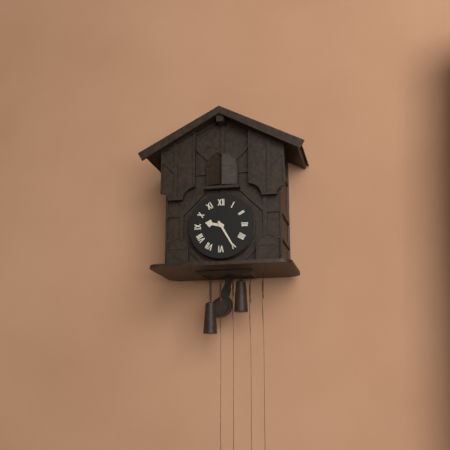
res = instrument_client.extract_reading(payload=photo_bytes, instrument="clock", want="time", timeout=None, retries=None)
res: 9:25
